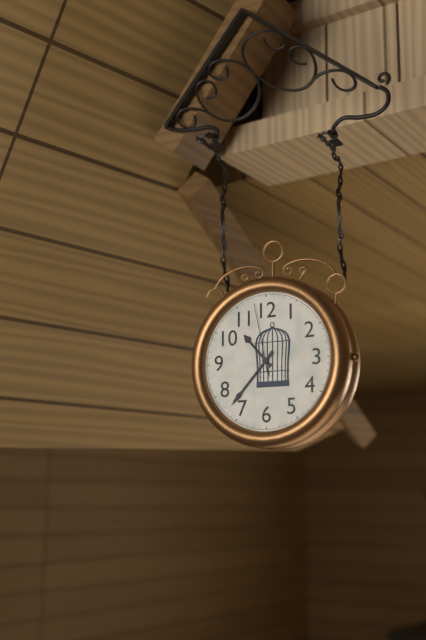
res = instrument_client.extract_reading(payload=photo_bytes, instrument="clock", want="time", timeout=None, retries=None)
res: 10:37:58
